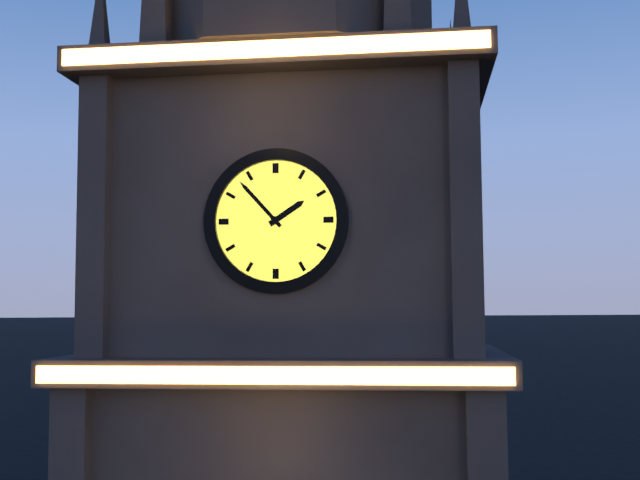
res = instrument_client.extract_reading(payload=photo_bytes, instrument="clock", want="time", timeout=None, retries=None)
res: 1:53
